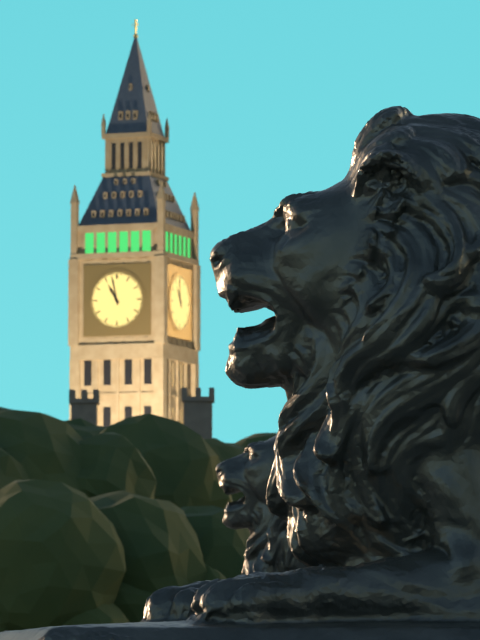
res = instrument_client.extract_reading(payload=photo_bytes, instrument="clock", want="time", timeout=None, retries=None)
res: 10:58
